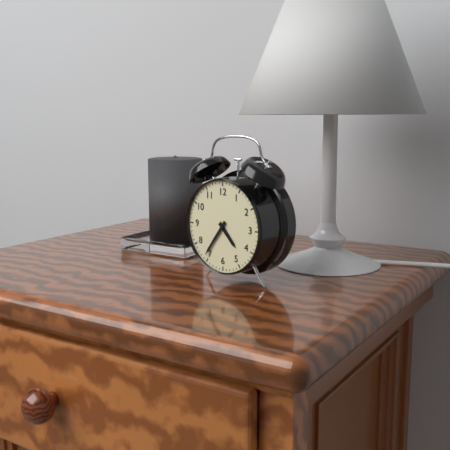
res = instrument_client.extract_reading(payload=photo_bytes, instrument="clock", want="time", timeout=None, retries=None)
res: 4:36
